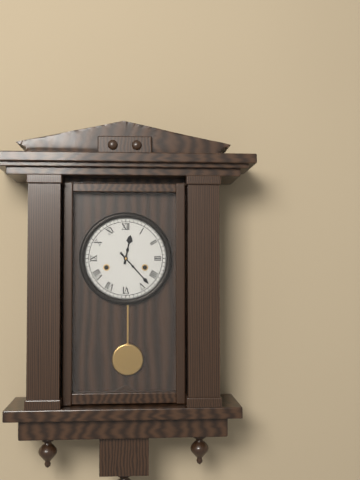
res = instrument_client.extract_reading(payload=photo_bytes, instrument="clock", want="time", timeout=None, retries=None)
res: 12:23
